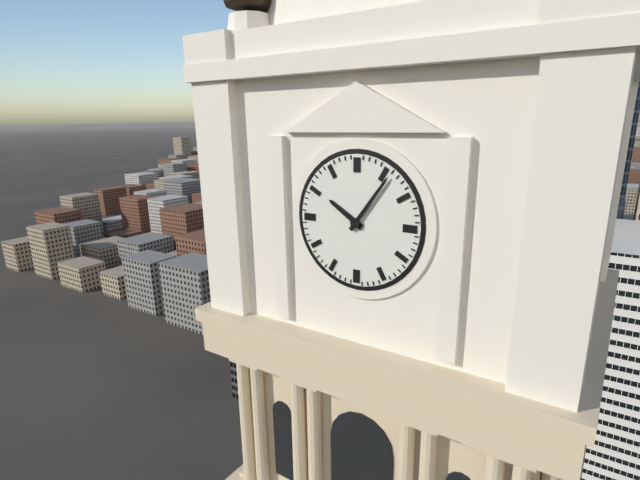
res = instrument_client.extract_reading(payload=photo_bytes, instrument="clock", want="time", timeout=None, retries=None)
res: 10:06
